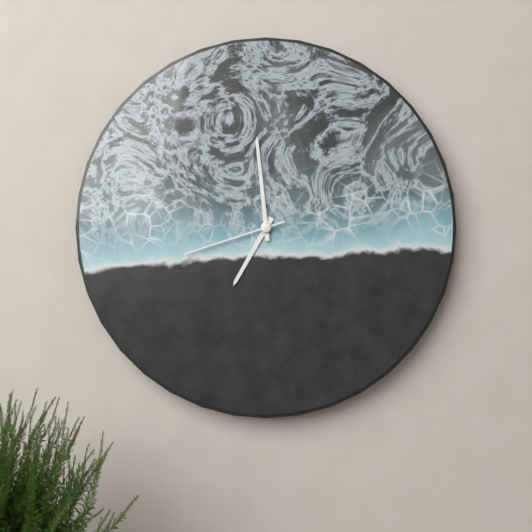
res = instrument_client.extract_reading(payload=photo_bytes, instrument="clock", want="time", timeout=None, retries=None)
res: 6:59:42
